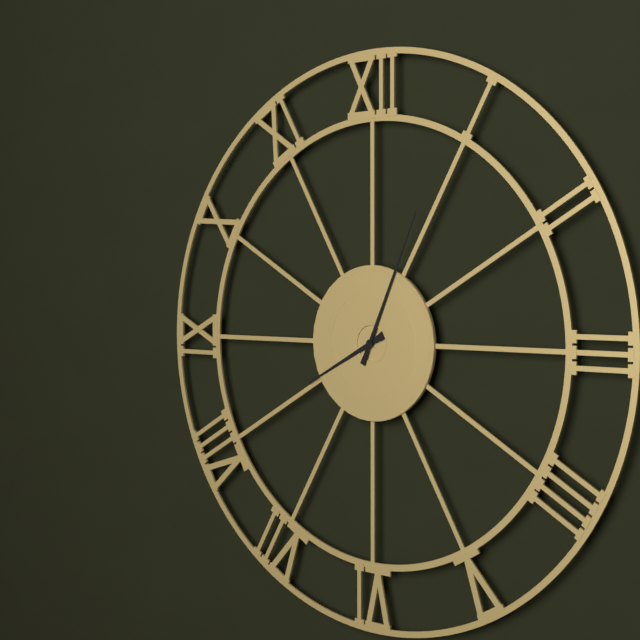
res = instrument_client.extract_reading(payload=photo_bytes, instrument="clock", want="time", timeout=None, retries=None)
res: 8:04
